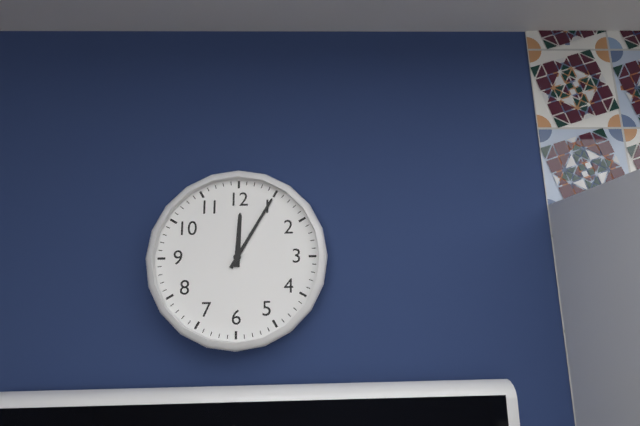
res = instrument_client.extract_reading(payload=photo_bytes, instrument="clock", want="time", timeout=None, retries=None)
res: 12:05
